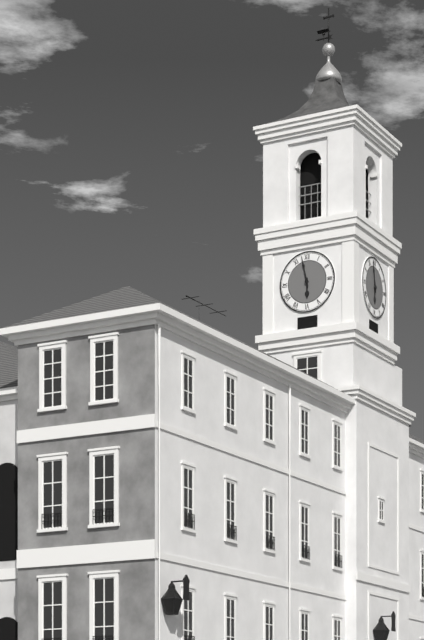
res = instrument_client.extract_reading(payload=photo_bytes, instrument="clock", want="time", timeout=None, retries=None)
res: 5:58
